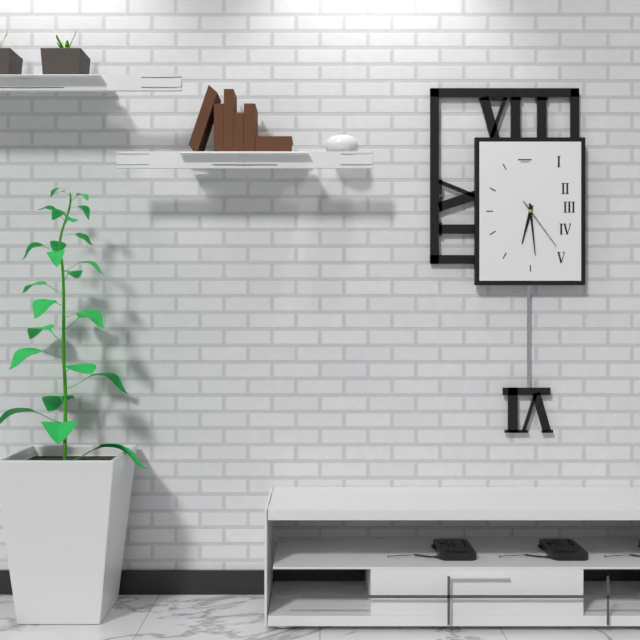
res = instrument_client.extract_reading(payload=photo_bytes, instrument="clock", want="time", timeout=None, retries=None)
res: 6:29:24
